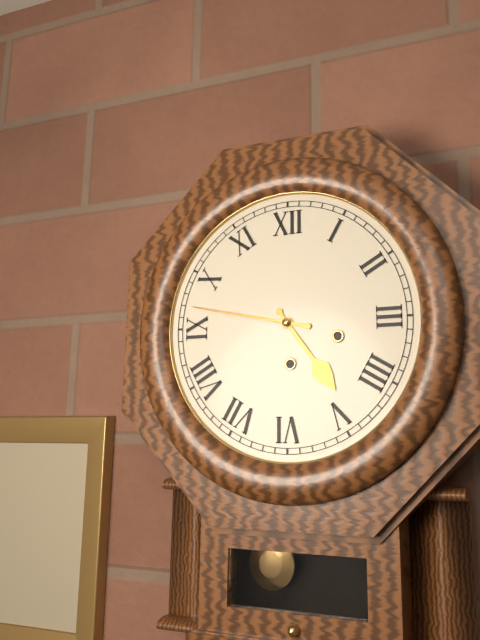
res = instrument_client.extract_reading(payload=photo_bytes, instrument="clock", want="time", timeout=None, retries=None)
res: 4:47
